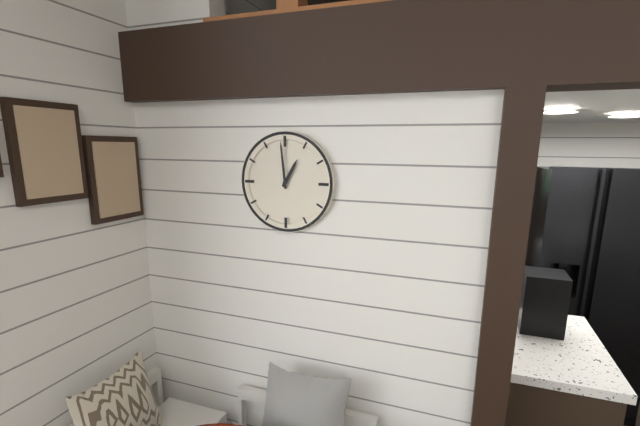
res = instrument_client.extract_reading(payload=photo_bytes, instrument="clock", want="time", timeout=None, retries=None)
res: 12:59
